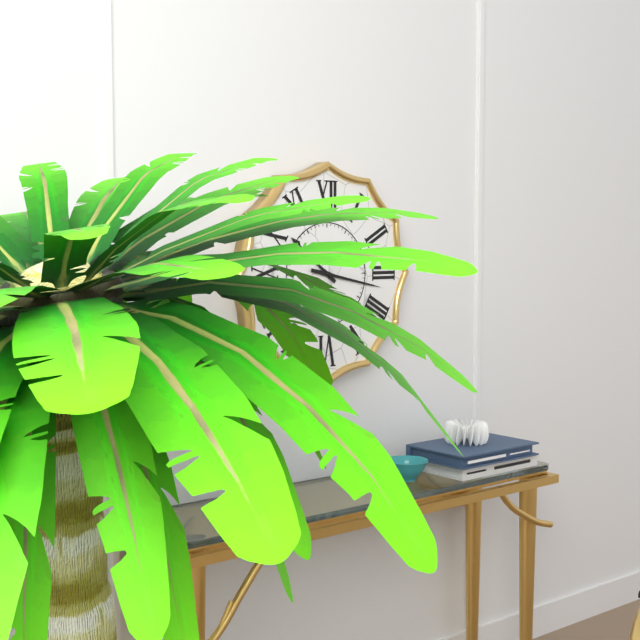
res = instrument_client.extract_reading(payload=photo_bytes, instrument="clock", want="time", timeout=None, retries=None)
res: 10:17
